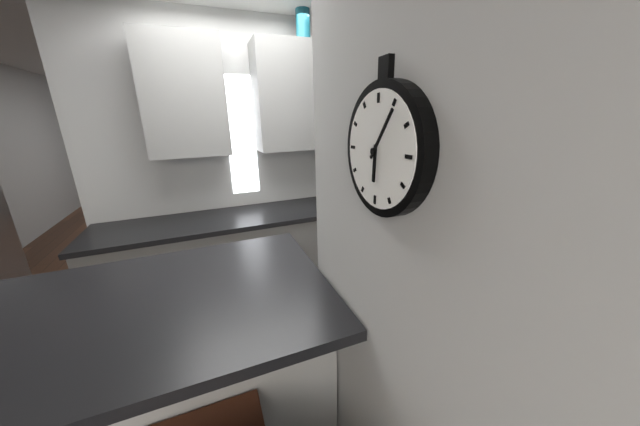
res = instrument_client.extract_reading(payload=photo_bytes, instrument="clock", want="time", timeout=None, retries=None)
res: 6:06
